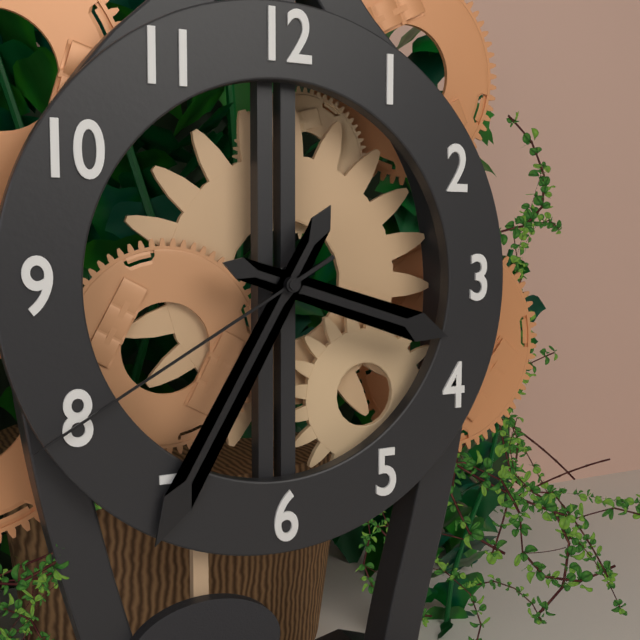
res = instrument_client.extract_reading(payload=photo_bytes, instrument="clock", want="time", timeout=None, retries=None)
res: 3:35:40
